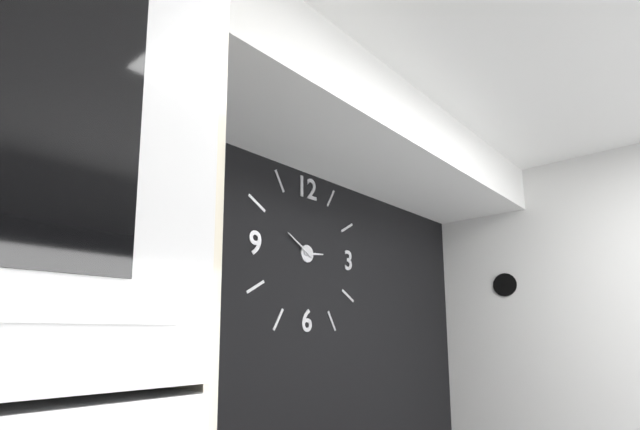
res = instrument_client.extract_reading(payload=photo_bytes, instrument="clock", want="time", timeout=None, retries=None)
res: 2:50
